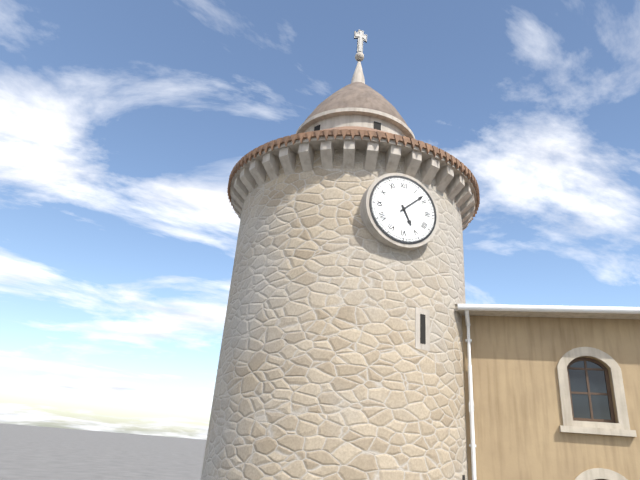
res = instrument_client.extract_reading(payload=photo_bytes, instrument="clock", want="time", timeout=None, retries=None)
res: 5:08
